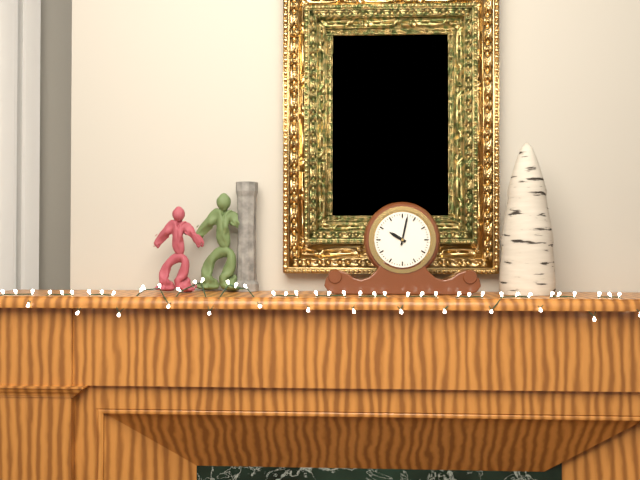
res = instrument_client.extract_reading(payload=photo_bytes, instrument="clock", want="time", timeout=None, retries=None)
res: 10:02
